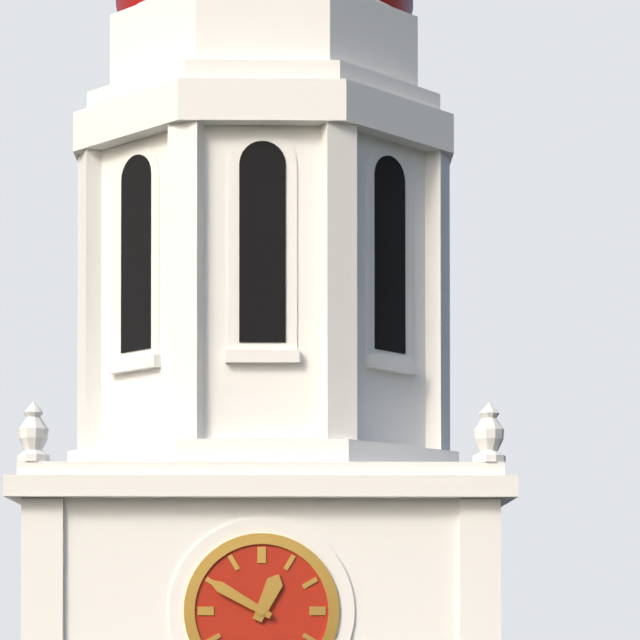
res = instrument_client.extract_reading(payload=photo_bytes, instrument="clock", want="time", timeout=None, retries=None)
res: 12:50
